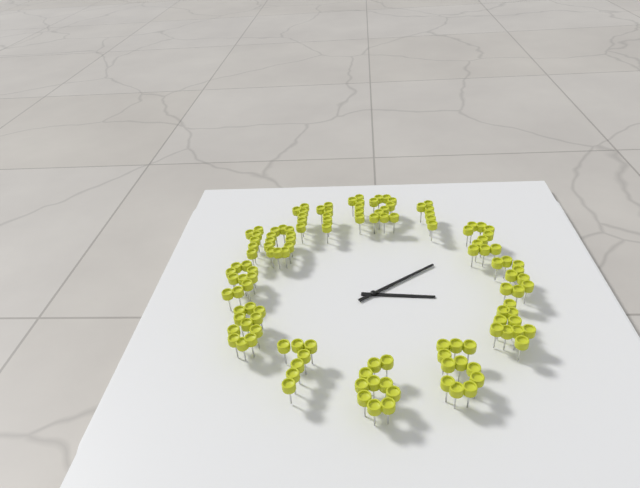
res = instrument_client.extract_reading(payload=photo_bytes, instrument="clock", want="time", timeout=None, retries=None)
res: 3:09
